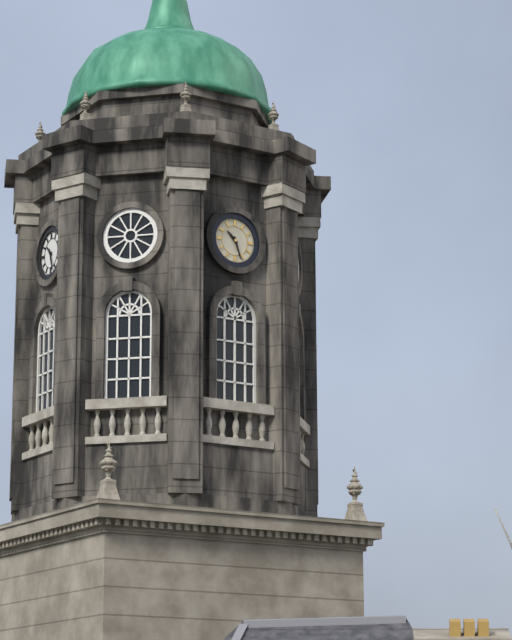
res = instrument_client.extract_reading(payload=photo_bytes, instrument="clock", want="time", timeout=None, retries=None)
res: 10:27
